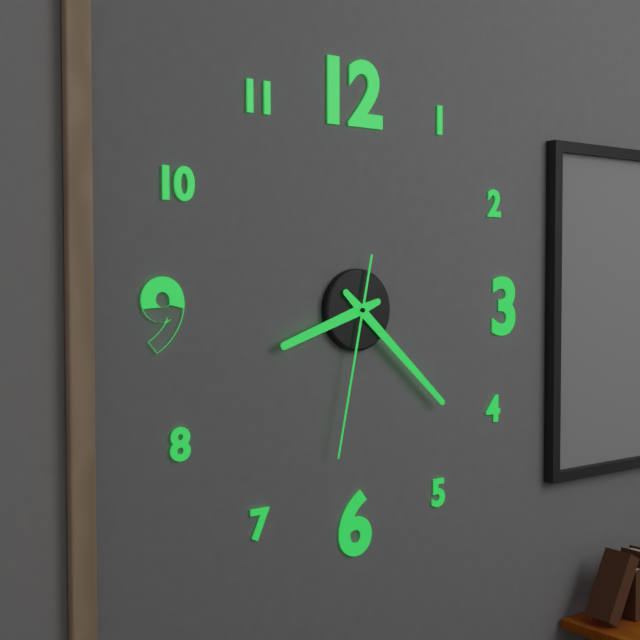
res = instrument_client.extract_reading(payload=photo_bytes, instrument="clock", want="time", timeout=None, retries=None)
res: 8:22:32
